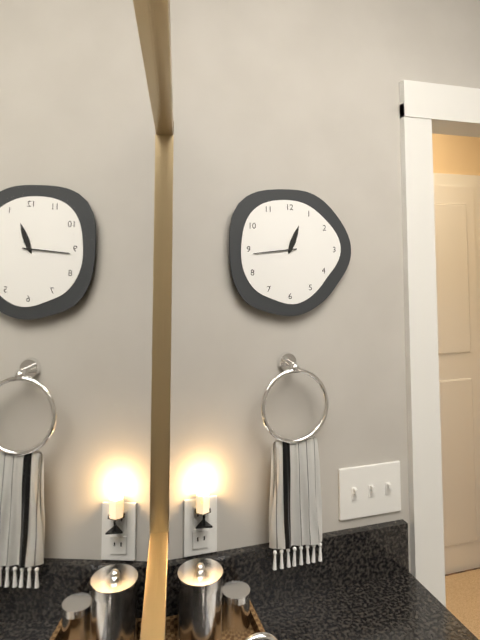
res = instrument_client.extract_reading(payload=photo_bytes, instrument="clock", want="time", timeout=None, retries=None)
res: 12:44
